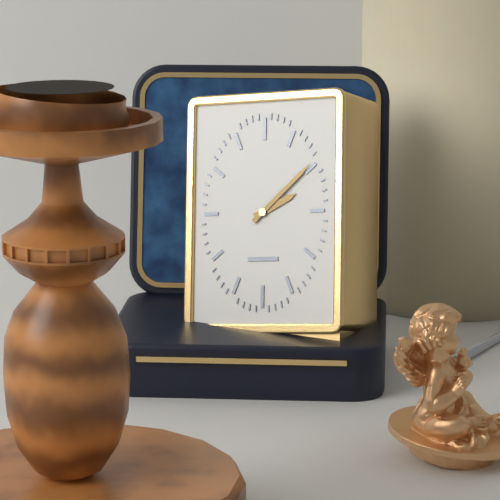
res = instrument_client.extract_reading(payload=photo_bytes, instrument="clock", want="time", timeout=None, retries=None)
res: 2:08
